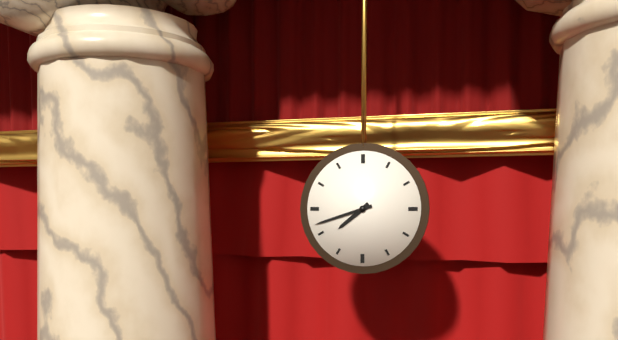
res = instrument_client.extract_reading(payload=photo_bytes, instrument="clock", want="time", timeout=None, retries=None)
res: 7:42
